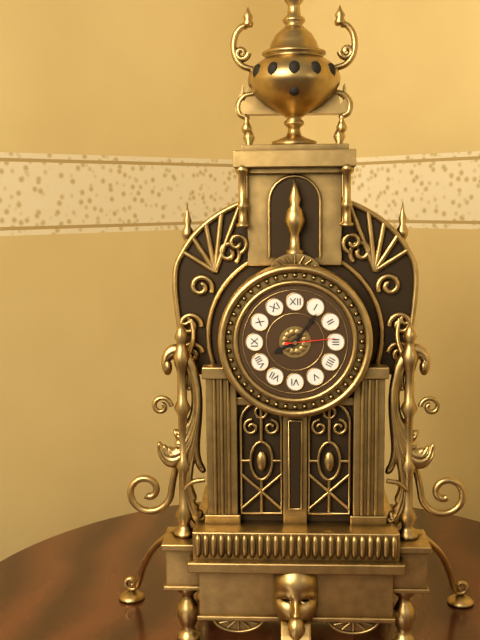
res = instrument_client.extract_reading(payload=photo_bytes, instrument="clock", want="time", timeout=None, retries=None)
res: 8:06:14
